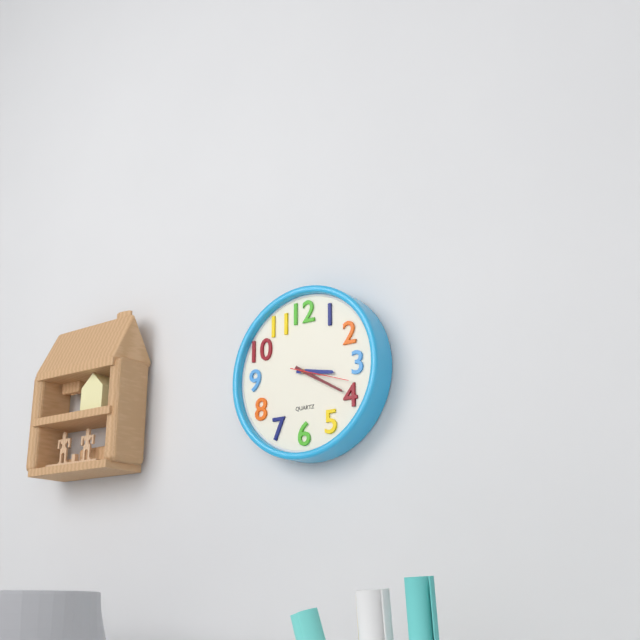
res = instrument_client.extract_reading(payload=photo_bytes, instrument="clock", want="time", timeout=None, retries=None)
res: 3:20:18
